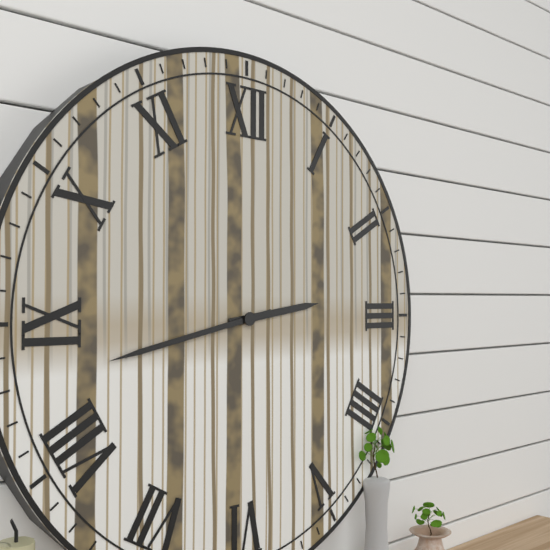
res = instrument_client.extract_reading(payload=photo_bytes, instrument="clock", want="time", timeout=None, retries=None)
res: 2:43
